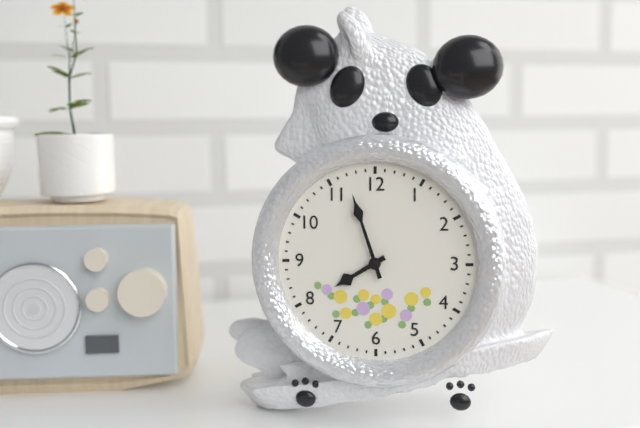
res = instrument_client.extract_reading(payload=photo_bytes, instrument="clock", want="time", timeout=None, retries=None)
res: 7:57
